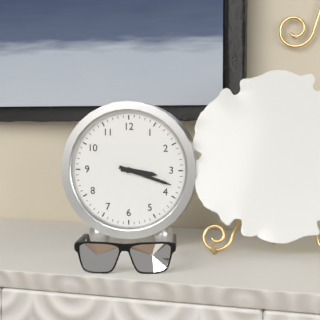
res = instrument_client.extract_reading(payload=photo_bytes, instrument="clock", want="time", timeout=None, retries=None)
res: 3:18
